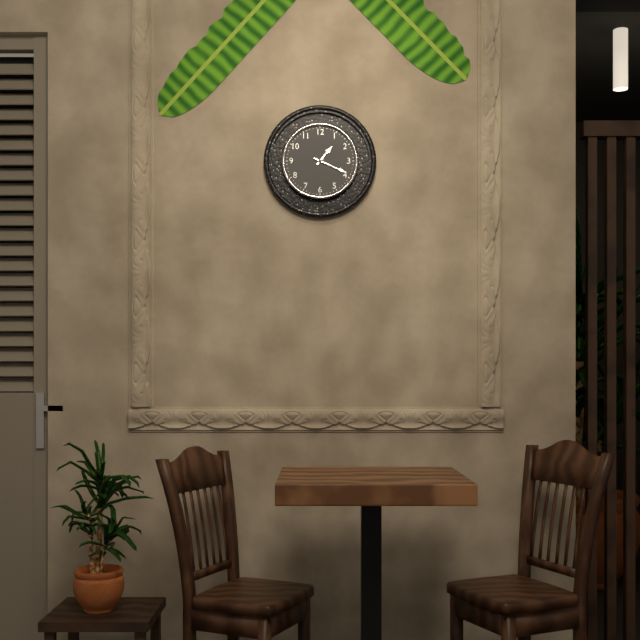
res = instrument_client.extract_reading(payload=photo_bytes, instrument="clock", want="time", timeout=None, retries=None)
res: 1:19
